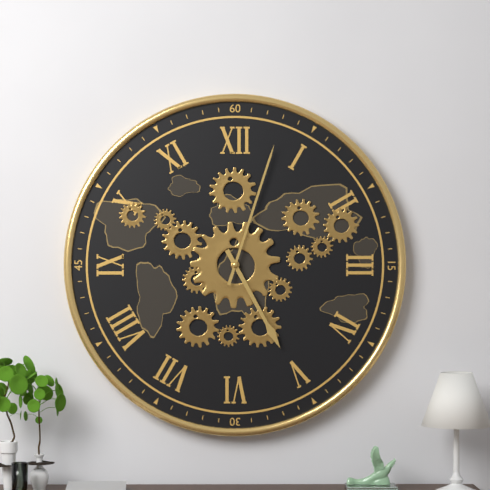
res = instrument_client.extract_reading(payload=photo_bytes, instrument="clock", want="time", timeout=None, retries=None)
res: 5:03
